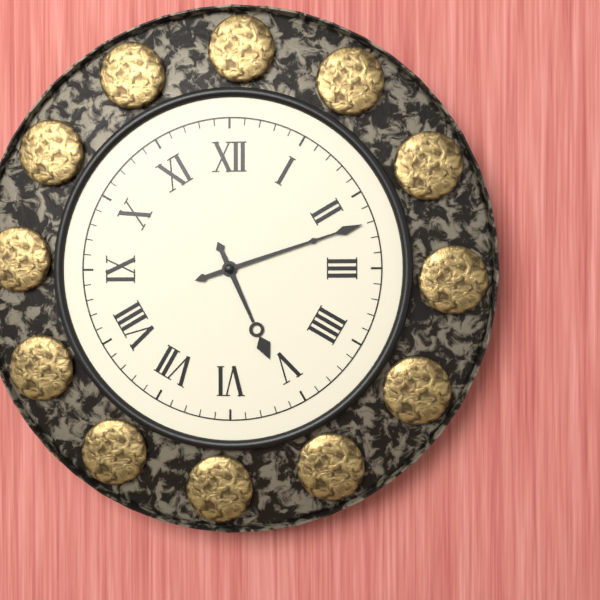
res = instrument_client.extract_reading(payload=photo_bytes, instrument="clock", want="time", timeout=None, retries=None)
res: 5:12
